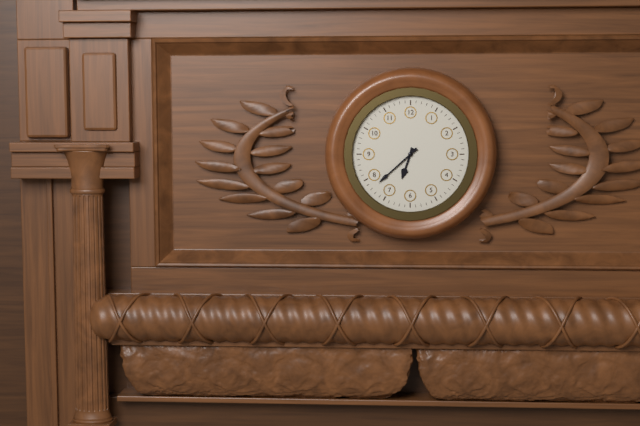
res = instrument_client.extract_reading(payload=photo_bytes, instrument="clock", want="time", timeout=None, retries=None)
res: 6:38
